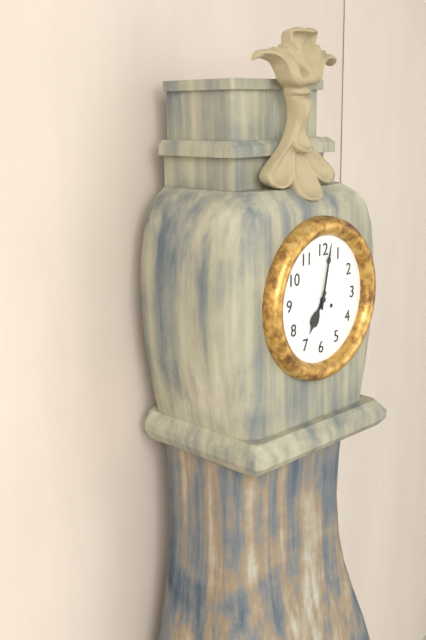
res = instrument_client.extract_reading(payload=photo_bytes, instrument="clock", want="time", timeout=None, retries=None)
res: 7:02
